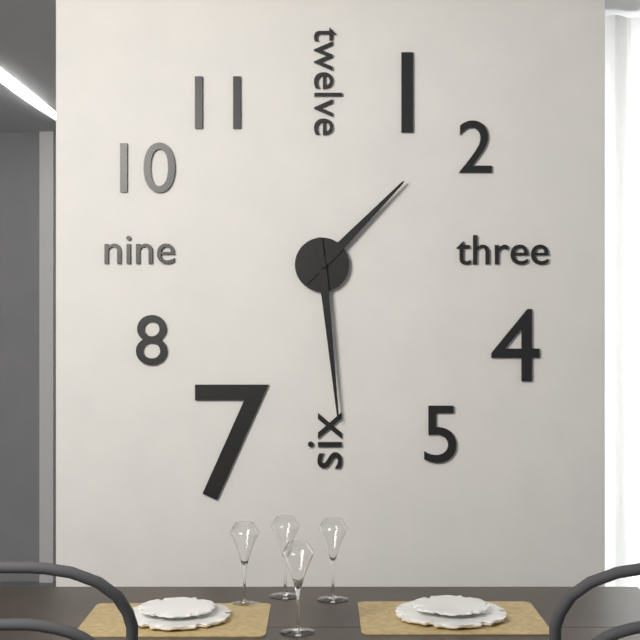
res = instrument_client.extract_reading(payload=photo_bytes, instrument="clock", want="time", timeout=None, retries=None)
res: 1:29
